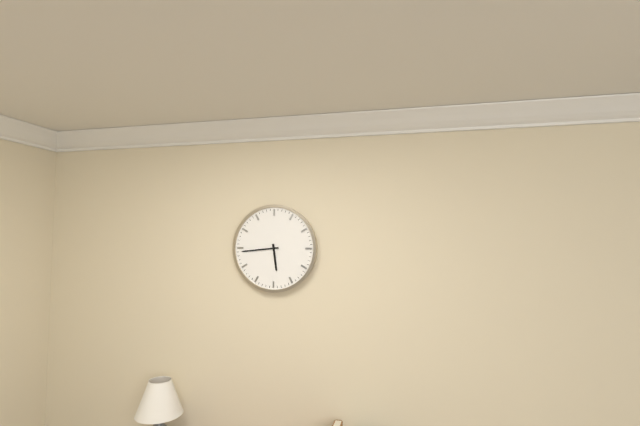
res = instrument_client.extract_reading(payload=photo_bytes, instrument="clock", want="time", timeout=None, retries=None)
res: 5:44
